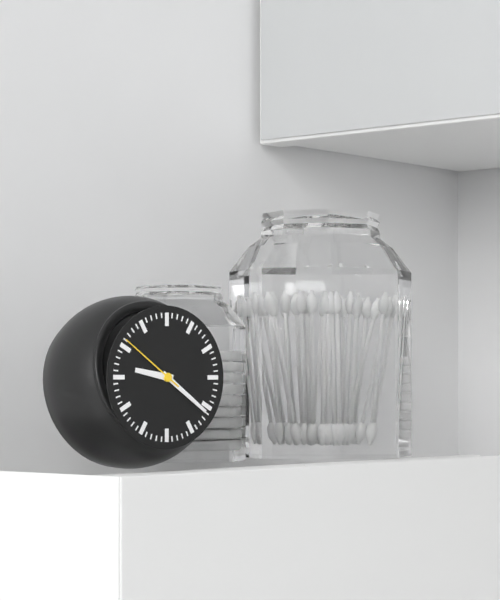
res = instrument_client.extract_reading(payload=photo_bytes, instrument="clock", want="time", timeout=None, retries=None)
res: 9:21:51
